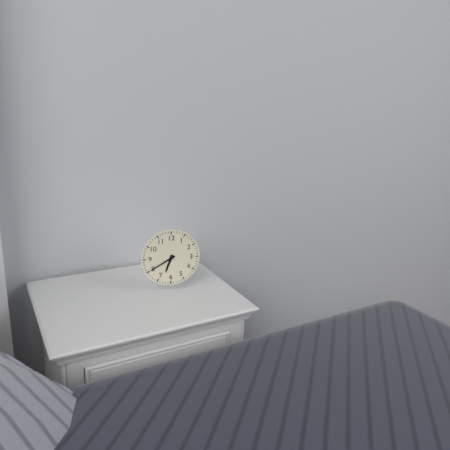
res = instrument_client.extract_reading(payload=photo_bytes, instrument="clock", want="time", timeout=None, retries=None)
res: 6:40
